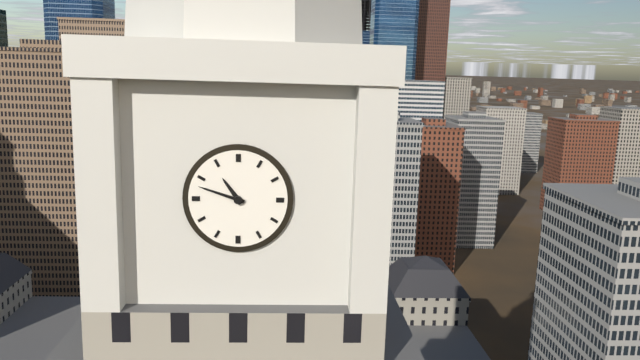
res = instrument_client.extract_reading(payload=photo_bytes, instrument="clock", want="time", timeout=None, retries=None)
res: 10:48
